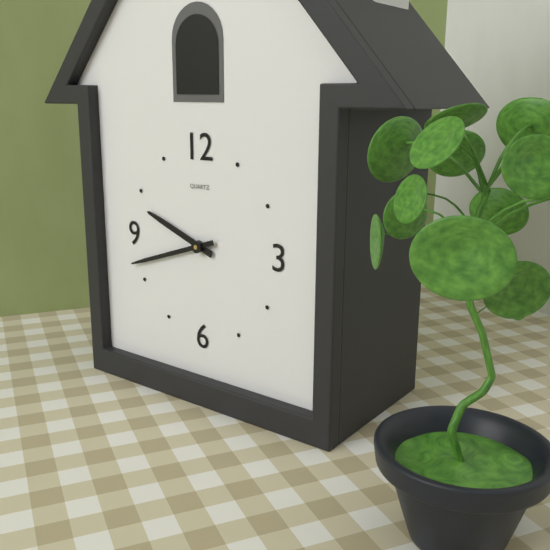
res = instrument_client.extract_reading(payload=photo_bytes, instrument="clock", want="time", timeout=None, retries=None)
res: 9:42
